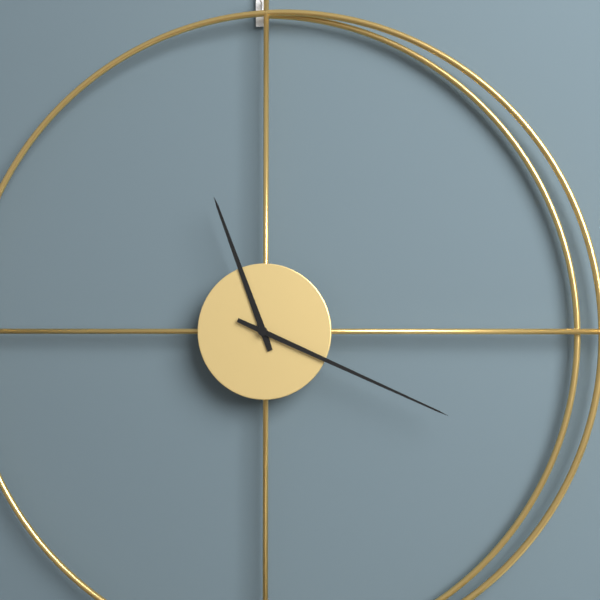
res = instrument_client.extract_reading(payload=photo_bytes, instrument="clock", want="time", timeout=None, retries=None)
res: 11:19
